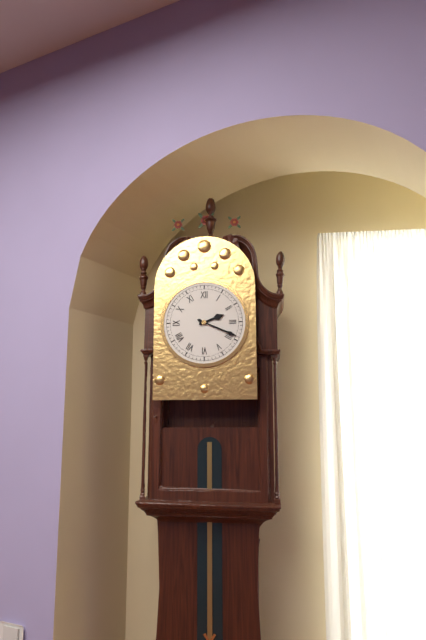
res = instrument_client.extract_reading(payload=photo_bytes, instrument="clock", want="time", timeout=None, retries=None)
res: 2:19
